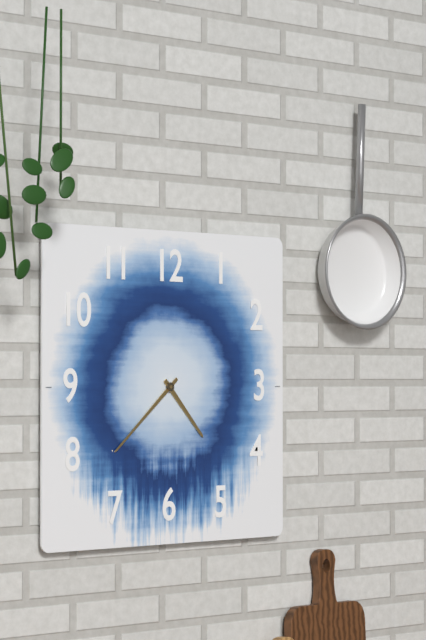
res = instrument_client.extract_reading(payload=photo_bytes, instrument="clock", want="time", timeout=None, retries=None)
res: 4:38
